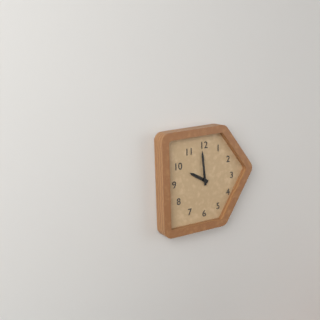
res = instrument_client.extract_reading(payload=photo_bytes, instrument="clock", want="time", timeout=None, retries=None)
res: 9:59
